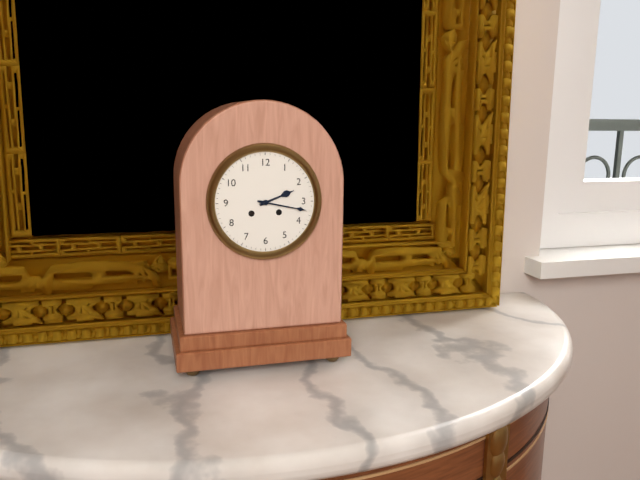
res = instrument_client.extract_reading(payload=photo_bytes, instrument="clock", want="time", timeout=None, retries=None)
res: 2:17
